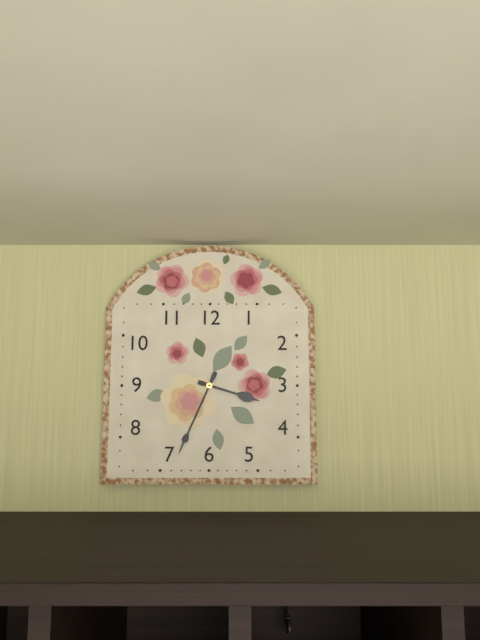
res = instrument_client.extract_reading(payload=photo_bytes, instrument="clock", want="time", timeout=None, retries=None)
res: 3:34
